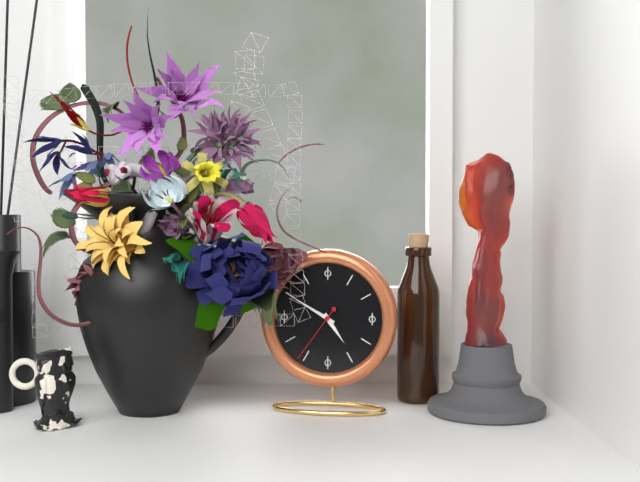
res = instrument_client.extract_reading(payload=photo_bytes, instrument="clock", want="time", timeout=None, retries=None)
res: 4:50:36
